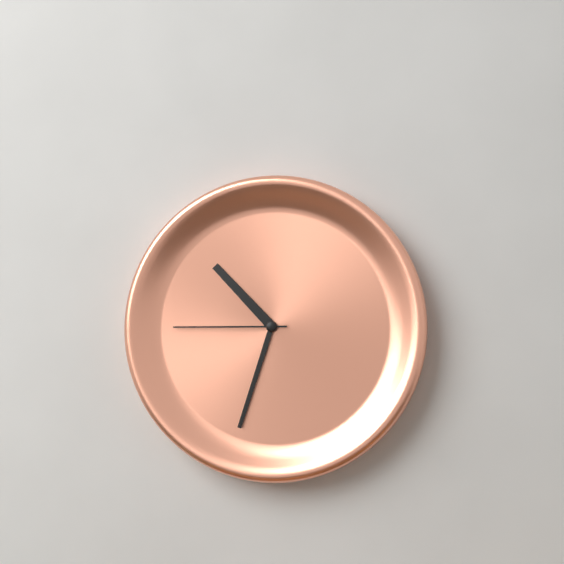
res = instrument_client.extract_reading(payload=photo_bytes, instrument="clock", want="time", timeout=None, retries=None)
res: 10:33:45
